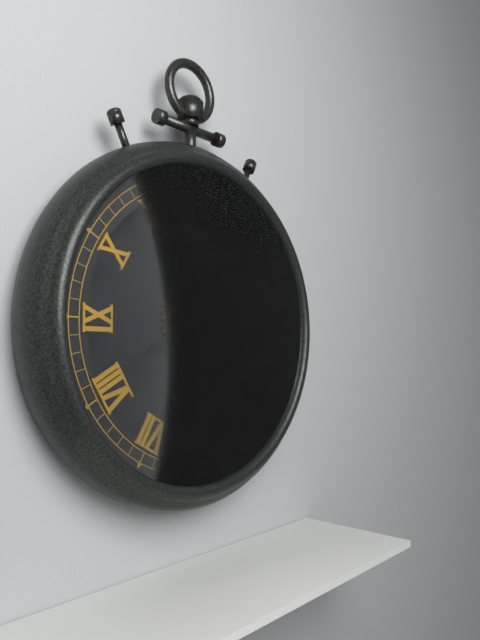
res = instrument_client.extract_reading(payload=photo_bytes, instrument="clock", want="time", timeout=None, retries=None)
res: 5:41:45
